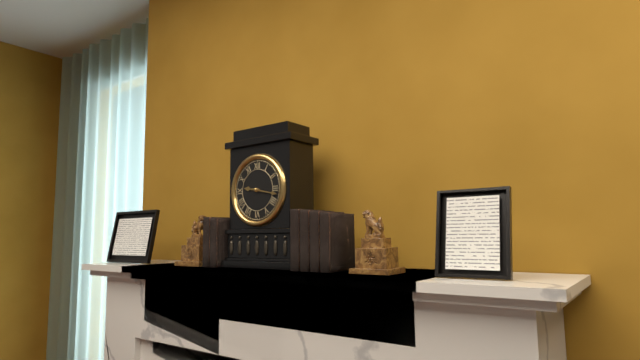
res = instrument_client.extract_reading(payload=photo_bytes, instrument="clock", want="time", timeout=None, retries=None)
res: 9:17
